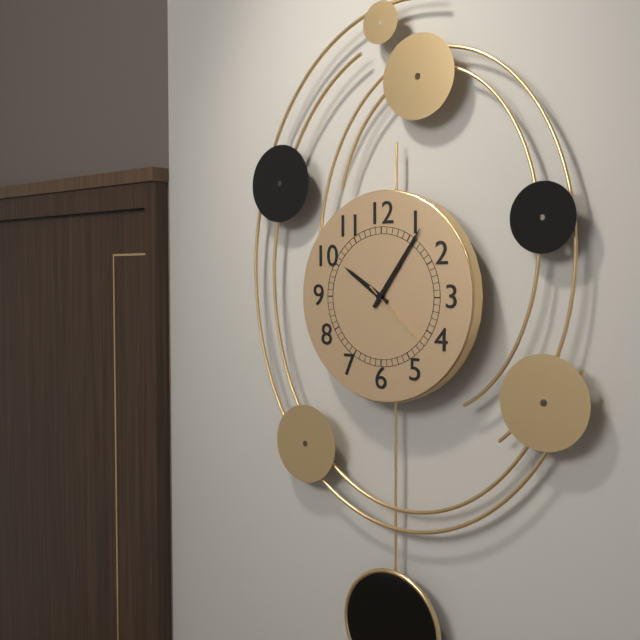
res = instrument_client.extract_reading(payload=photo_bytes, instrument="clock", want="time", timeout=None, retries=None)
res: 10:06:22
